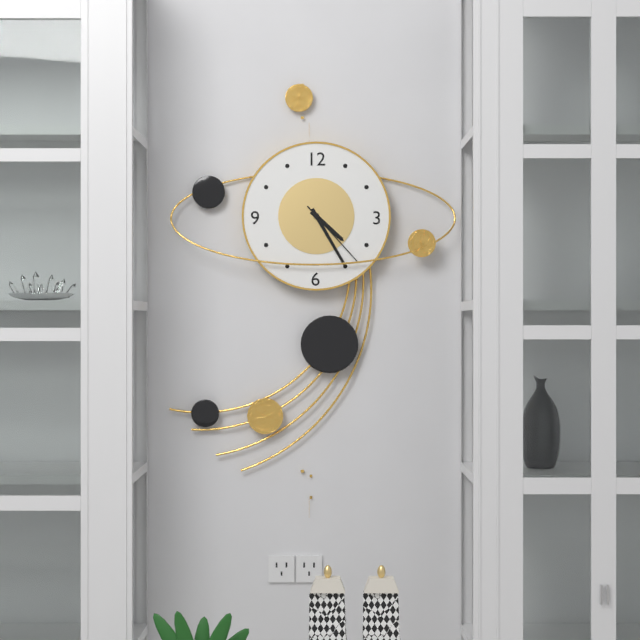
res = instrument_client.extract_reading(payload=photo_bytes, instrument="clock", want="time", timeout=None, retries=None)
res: 4:25:23
